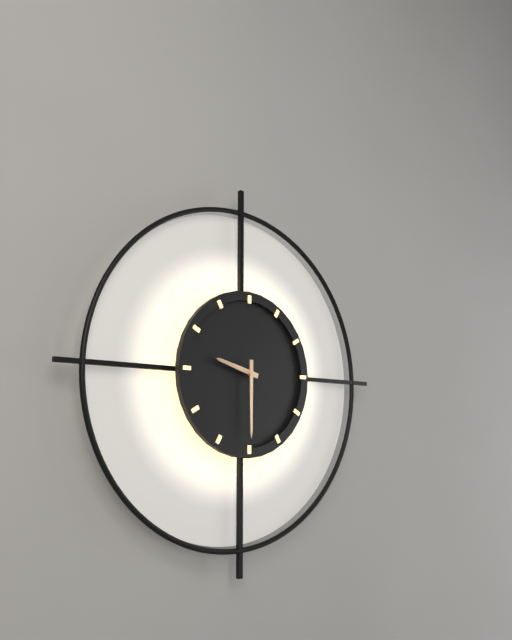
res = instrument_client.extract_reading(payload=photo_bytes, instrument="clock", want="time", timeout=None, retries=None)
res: 9:30
